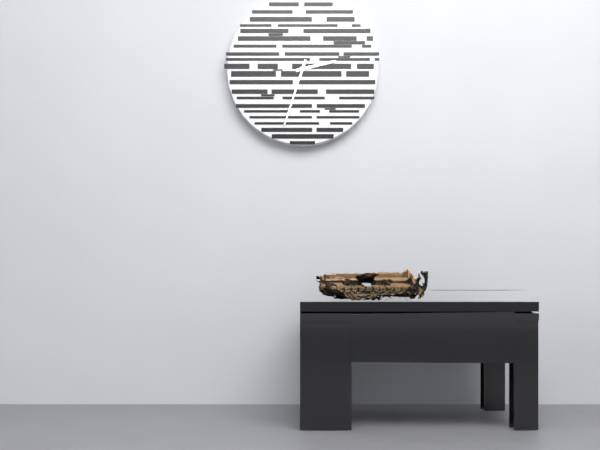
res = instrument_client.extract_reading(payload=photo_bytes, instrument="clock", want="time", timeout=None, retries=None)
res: 2:33
